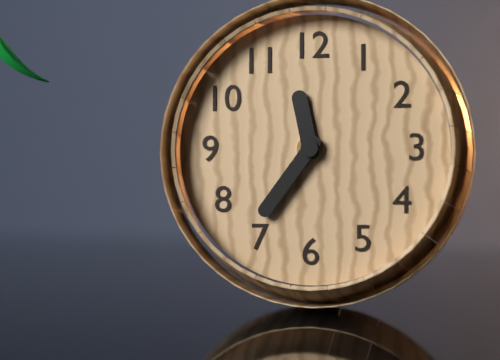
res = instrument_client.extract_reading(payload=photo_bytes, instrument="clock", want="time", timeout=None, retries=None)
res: 11:36
